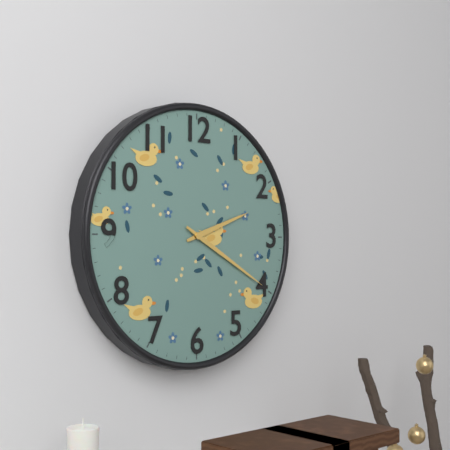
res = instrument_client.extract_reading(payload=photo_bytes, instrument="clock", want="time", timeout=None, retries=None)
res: 2:20
